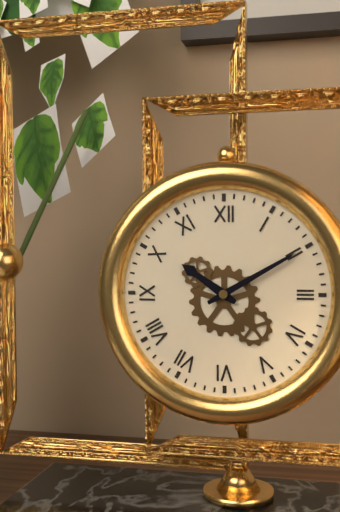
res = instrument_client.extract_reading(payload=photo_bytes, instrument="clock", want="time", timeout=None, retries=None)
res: 10:10
